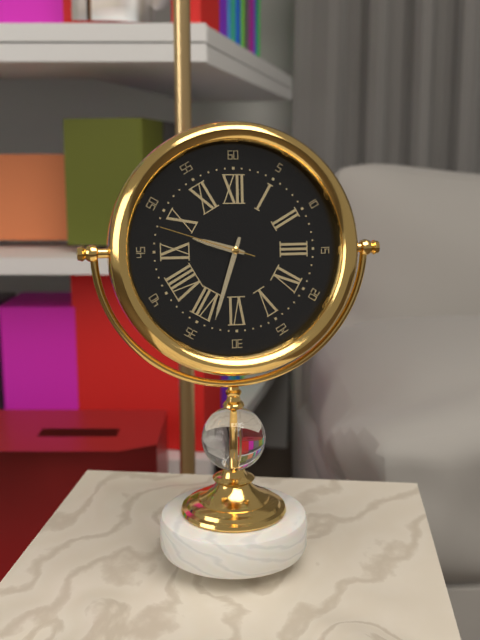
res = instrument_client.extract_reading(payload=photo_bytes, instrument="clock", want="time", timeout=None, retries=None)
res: 9:33:48
